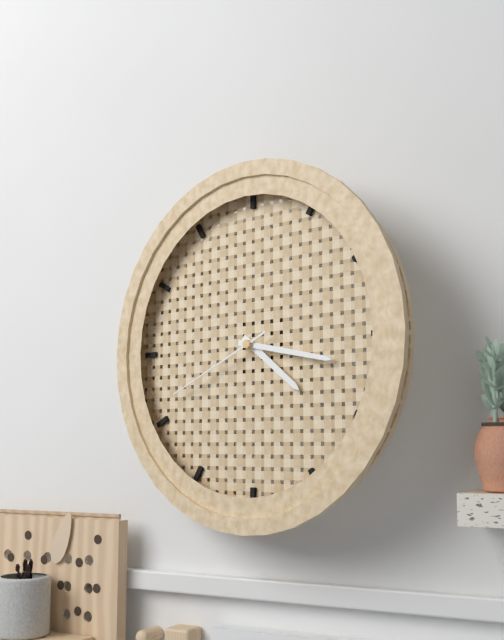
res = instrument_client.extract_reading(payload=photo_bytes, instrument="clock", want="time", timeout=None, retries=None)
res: 4:17:41
